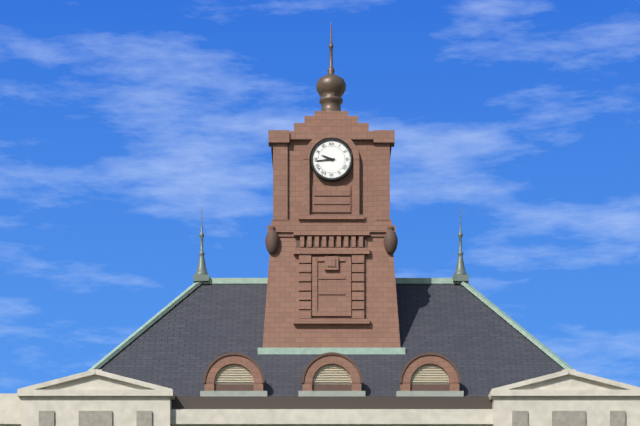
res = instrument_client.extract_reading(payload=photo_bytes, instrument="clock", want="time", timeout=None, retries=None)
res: 9:44
